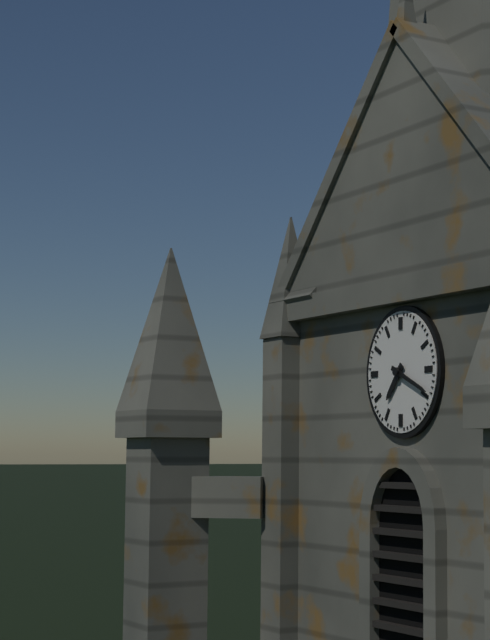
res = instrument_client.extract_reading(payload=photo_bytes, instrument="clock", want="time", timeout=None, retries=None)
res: 7:19
